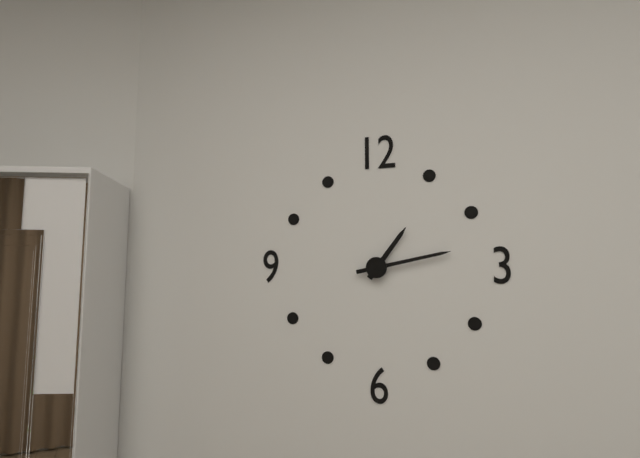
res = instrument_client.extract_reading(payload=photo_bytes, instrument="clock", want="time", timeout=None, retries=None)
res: 1:13
